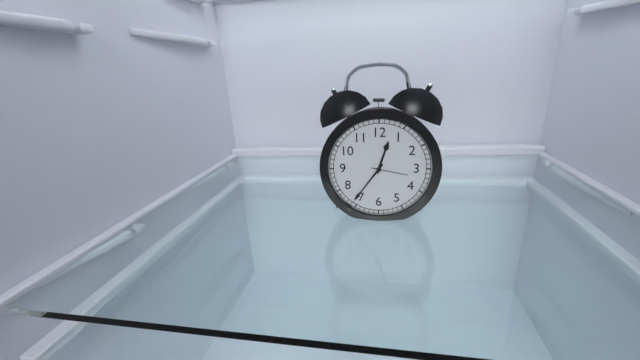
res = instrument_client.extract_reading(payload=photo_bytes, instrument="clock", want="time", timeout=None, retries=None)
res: 12:36
